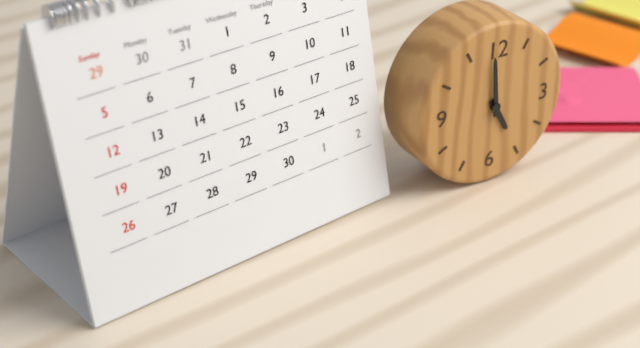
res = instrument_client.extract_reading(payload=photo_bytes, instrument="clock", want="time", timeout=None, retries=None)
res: 4:59
